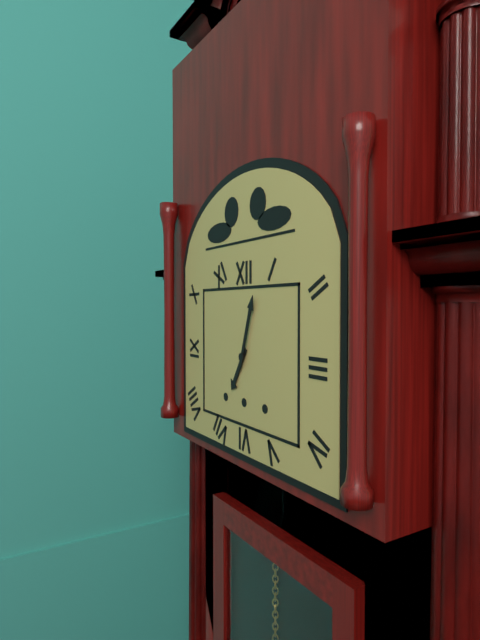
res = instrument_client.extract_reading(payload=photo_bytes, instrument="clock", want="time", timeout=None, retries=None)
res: 7:03
